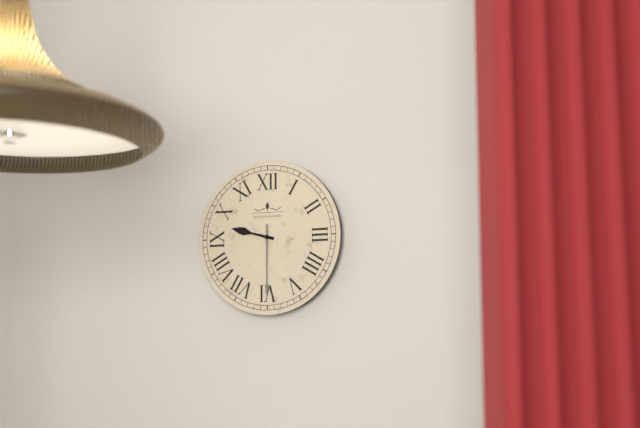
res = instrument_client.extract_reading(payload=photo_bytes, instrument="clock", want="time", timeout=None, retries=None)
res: 9:30
